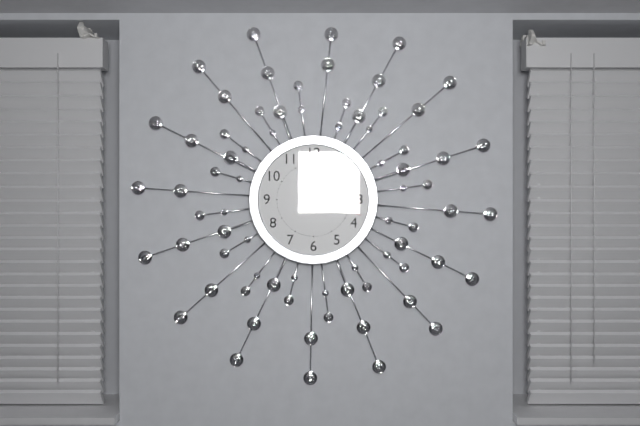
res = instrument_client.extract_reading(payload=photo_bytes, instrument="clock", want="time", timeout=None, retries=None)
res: 1:18:18
